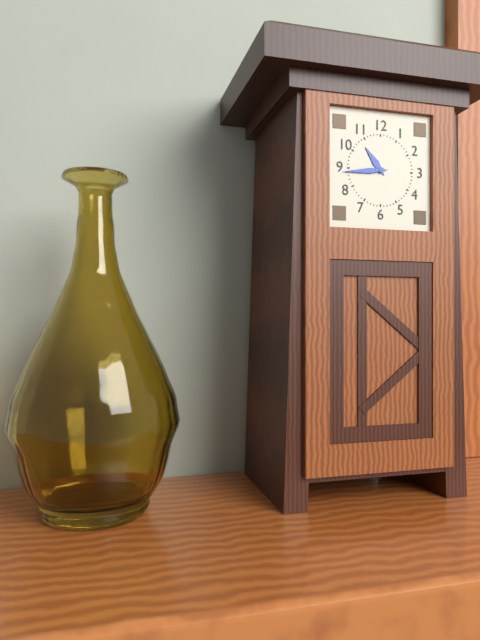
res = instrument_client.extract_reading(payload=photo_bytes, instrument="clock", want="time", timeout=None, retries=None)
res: 10:44
